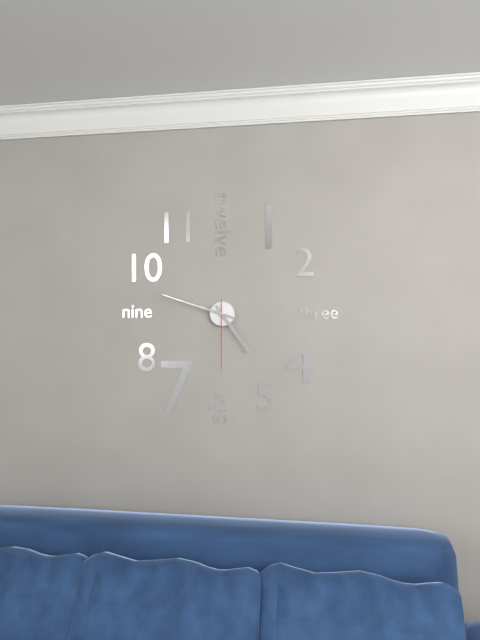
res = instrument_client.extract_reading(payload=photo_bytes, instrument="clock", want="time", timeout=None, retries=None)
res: 4:48:30
